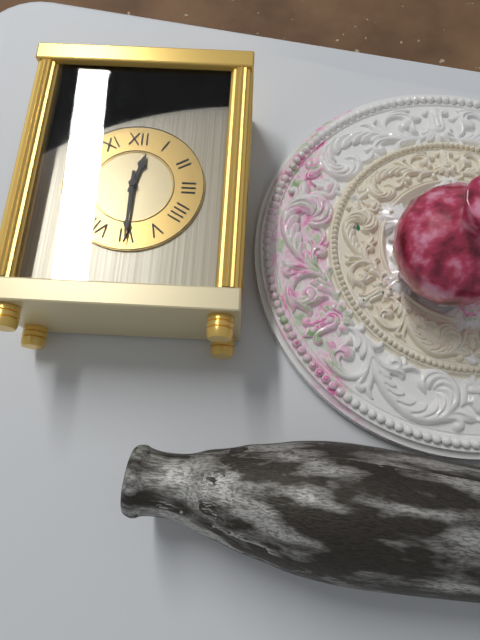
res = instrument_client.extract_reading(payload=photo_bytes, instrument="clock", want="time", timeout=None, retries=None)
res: 12:30
